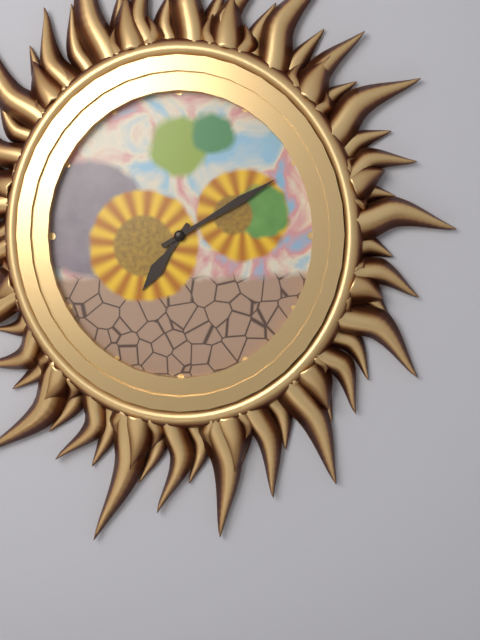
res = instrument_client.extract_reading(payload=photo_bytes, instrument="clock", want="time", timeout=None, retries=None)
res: 7:10
